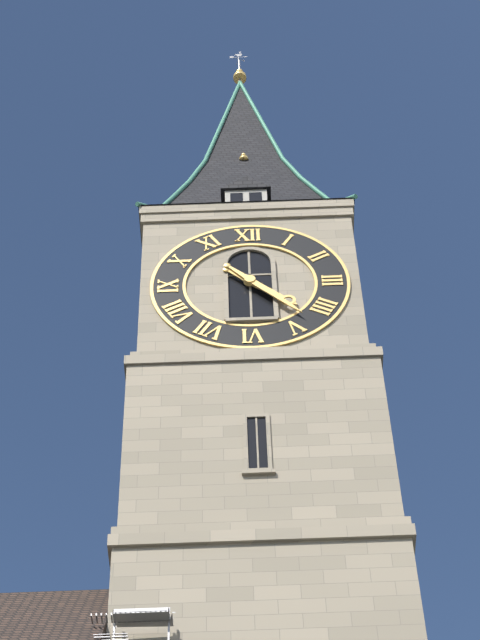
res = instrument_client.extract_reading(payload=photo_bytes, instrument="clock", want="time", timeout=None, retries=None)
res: 4:23
